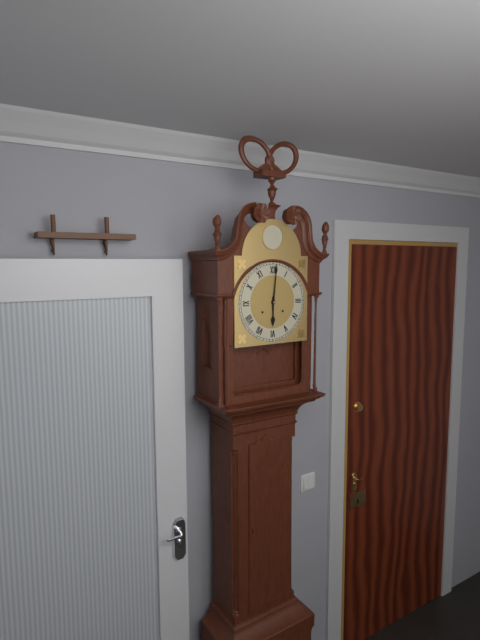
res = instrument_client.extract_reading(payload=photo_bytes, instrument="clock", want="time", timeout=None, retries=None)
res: 6:01
